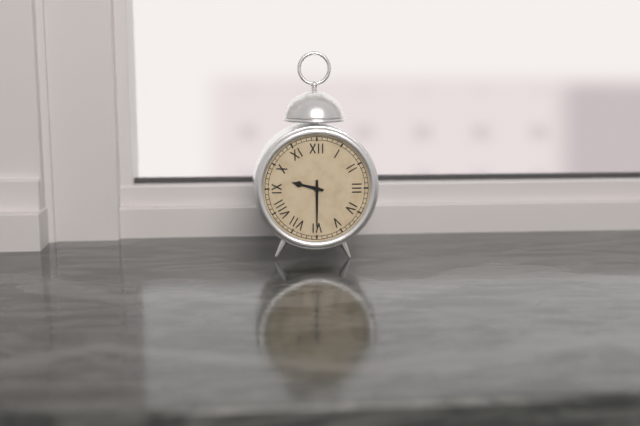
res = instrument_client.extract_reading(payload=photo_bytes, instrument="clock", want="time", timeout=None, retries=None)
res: 9:30
